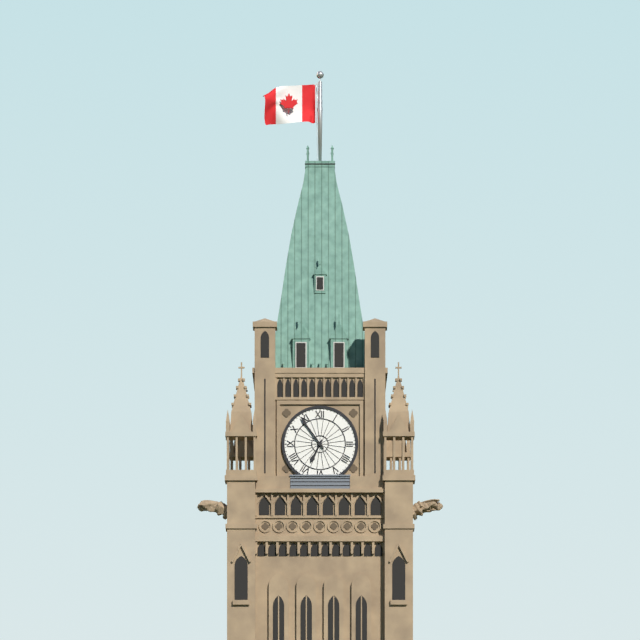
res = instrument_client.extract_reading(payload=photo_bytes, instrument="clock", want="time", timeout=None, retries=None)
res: 6:54
